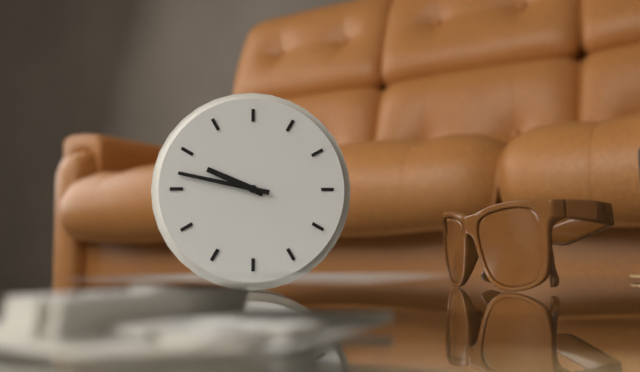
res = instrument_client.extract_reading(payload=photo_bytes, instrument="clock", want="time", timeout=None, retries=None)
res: 9:47
